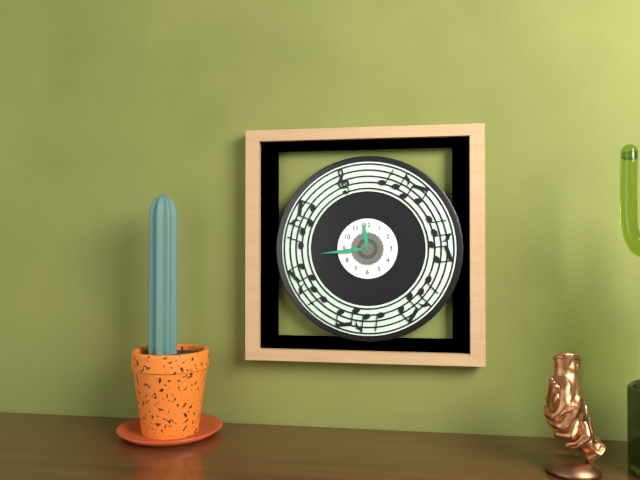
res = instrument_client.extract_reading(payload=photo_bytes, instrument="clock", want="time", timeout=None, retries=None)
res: 11:44
